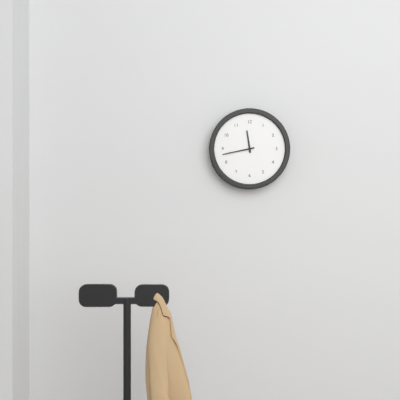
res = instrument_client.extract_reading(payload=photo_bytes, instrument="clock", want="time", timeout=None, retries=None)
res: 11:43
